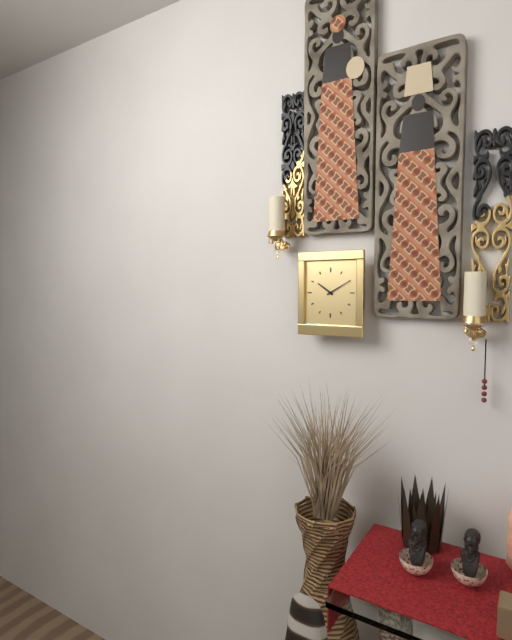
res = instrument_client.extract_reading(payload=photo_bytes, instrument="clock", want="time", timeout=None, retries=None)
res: 10:10
